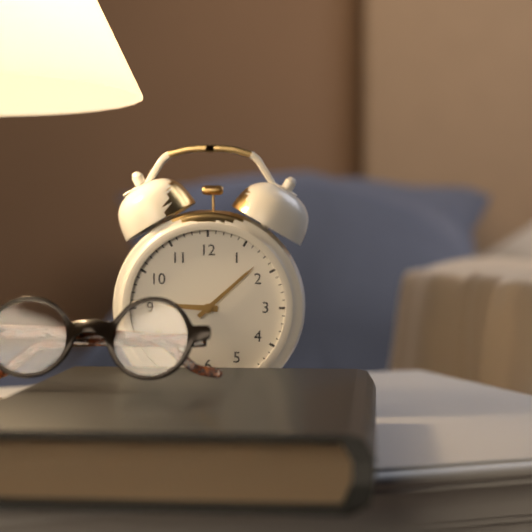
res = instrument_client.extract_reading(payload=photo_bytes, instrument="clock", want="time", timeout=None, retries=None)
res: 9:08
